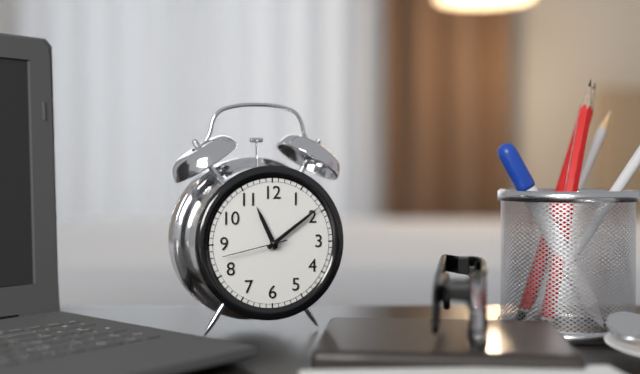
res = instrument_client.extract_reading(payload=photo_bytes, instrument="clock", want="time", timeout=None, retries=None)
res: 11:09:43
